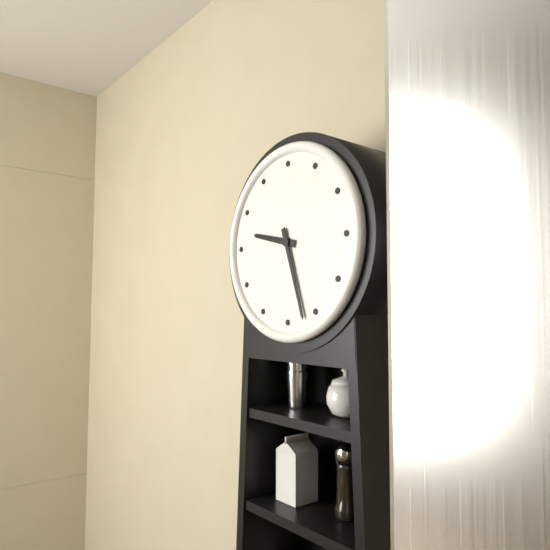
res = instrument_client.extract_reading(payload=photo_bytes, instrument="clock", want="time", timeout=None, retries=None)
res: 9:27
